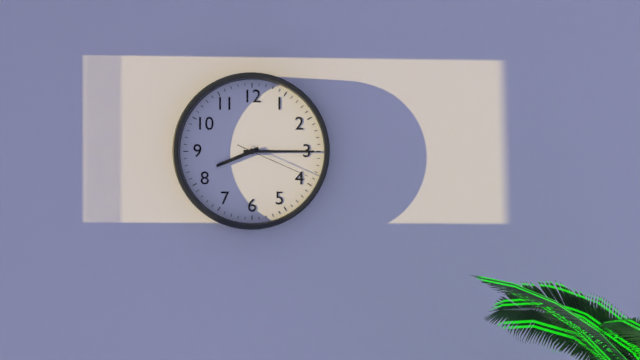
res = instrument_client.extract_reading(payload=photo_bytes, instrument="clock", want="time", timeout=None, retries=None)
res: 8:15:19
